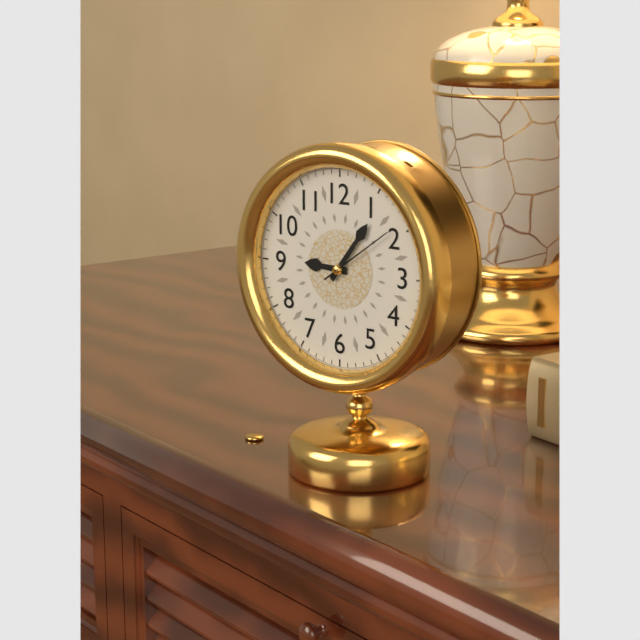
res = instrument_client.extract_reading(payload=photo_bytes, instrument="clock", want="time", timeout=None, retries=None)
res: 9:06:09
